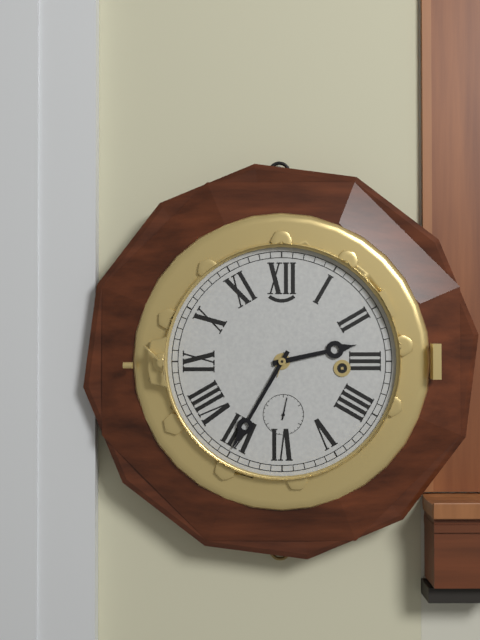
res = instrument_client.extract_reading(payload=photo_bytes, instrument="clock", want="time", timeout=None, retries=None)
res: 2:35
